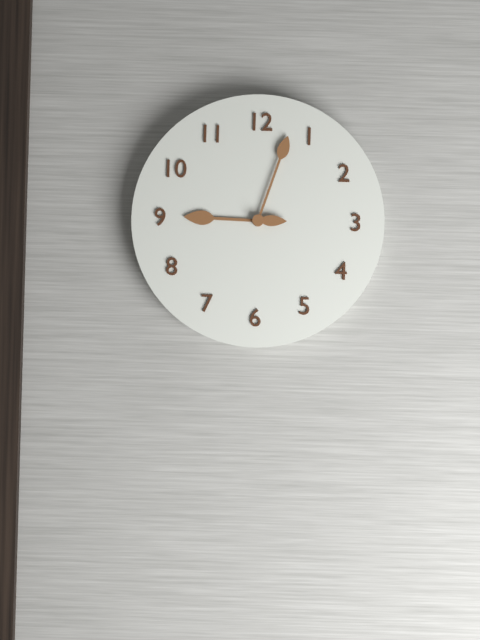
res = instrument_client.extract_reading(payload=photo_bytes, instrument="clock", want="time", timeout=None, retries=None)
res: 9:03
